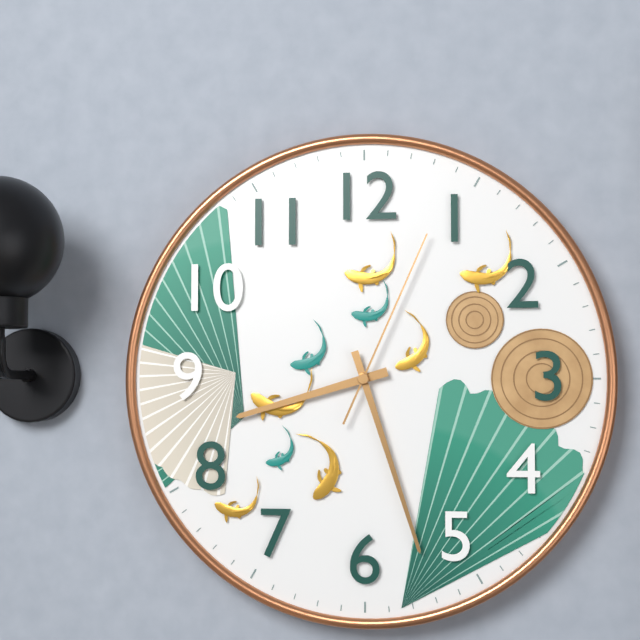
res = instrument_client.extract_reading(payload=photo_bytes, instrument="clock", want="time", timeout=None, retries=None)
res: 8:27:04
